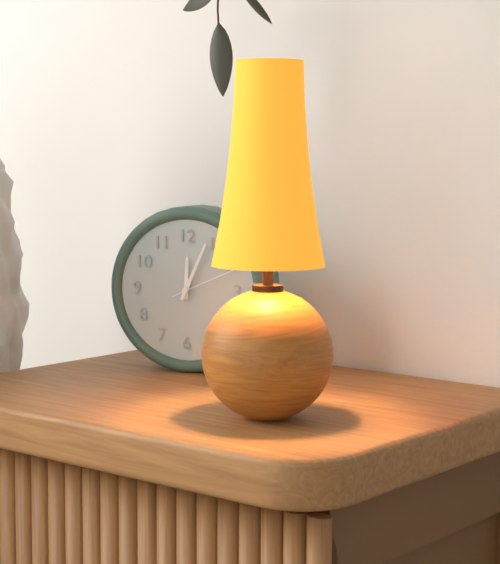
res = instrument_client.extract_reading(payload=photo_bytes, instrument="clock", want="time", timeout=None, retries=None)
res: 12:04:11
